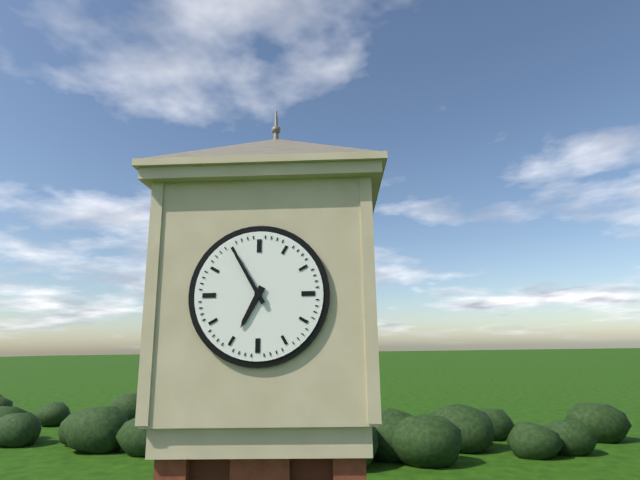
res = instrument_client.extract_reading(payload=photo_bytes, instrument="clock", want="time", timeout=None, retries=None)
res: 6:55
